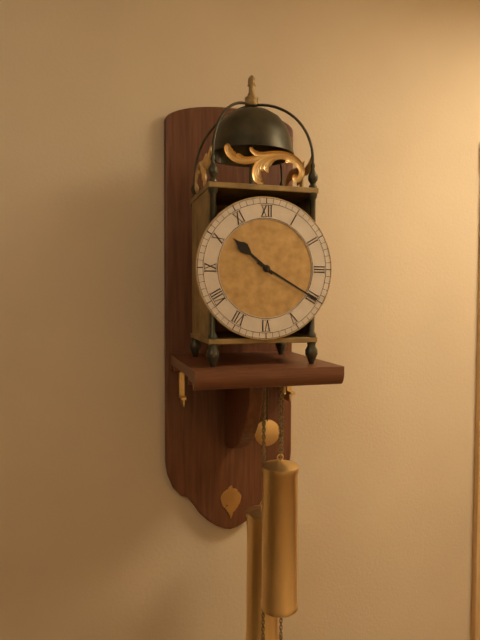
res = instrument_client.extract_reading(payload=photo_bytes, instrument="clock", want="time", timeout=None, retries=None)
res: 10:20
